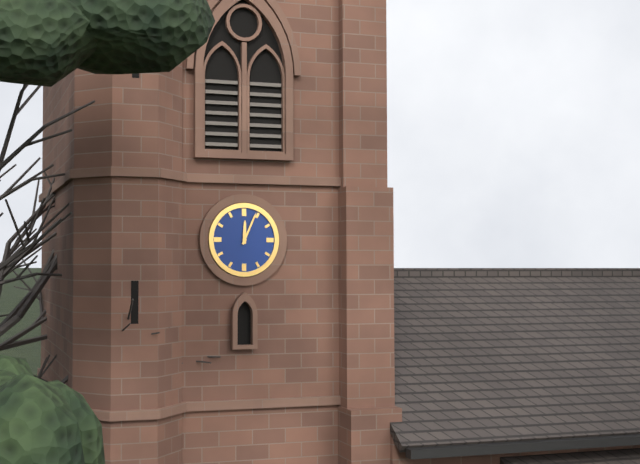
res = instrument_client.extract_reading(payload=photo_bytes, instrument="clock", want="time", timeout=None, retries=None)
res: 12:04
